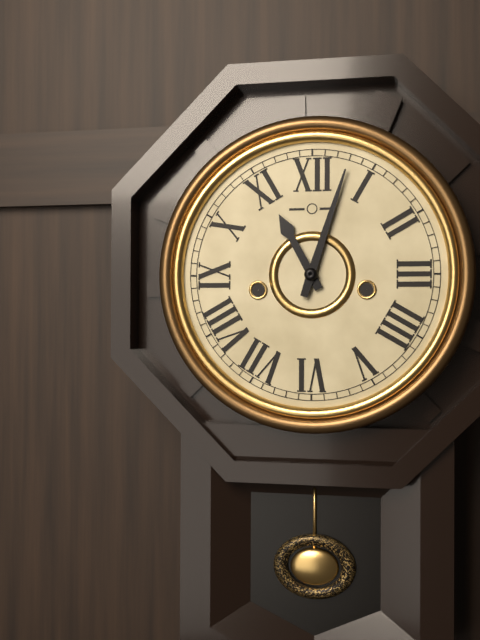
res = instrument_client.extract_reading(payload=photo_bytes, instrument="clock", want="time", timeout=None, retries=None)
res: 11:03
